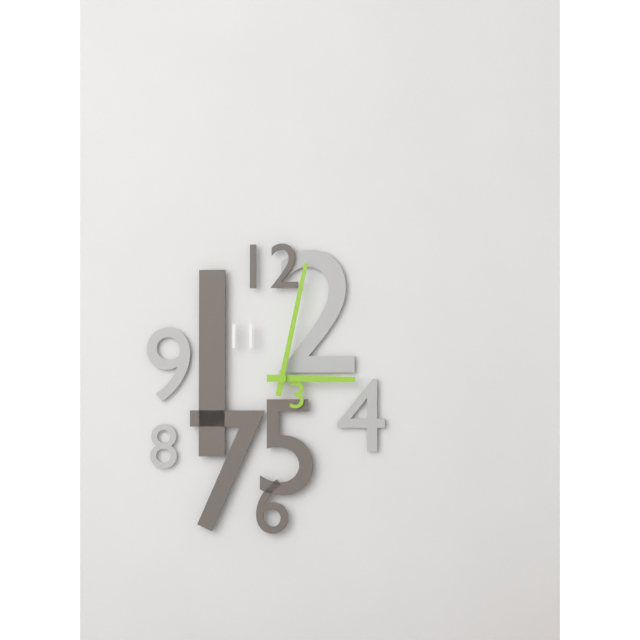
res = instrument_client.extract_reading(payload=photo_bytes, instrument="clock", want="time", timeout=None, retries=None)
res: 3:02
